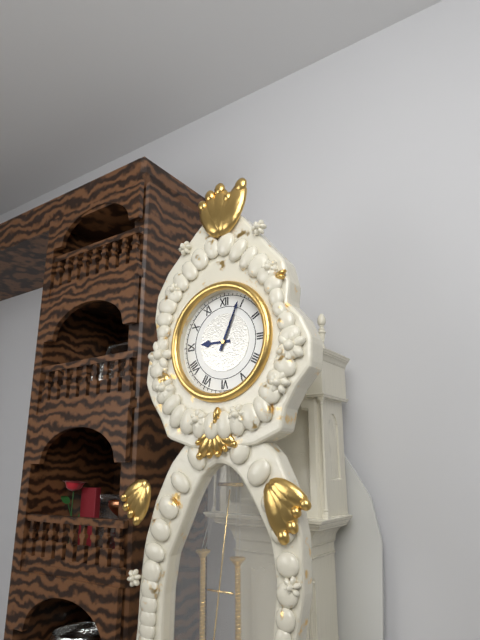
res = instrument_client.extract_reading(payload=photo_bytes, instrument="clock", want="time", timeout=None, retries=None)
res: 9:04
